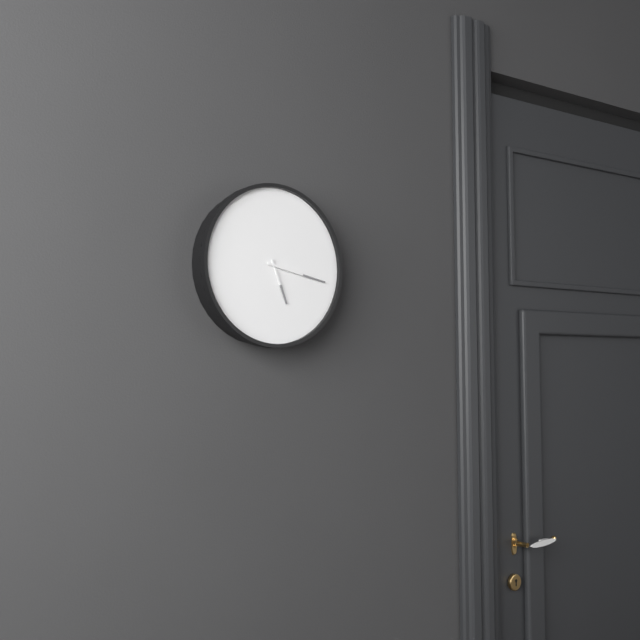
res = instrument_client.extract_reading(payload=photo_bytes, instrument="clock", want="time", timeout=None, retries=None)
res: 5:17
